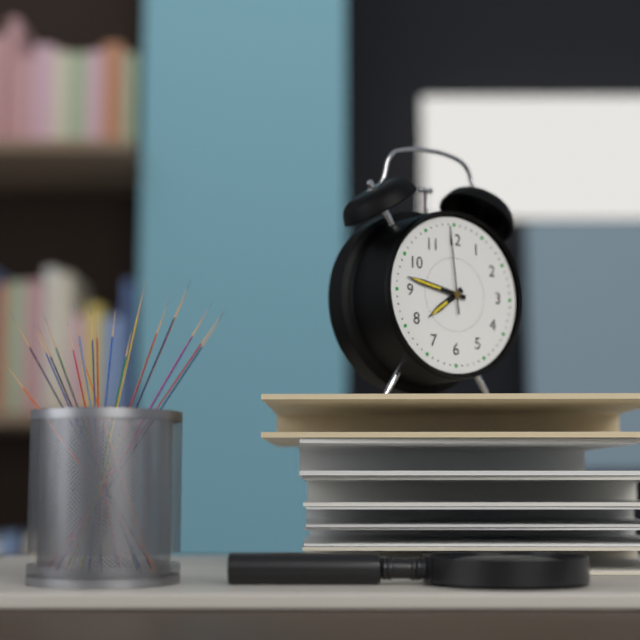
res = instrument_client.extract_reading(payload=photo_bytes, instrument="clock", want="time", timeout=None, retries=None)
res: 7:47:59
